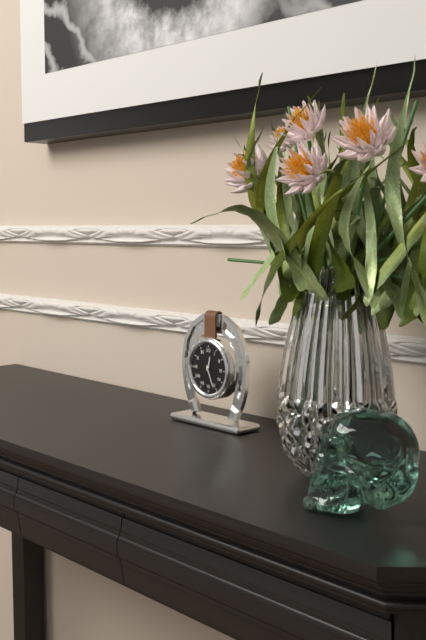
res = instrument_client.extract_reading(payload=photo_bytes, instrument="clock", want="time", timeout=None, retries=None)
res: 12:26
